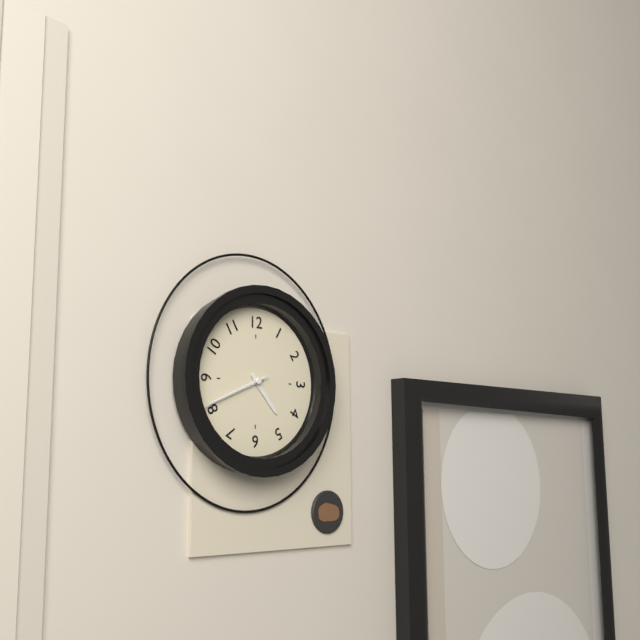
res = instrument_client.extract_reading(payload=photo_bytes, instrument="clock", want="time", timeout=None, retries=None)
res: 4:41:41
